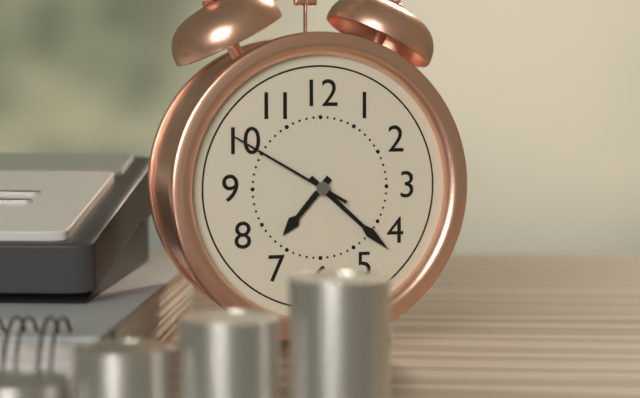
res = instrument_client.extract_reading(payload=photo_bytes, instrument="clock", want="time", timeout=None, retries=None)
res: 7:22:50
